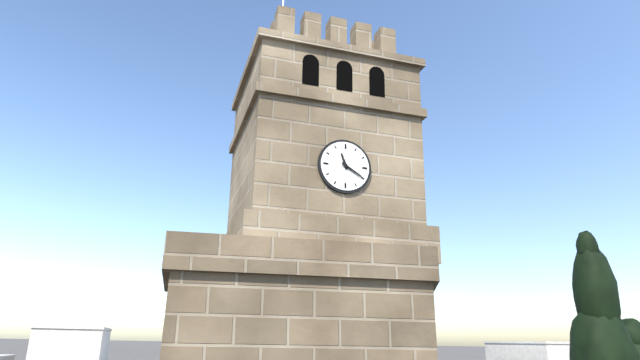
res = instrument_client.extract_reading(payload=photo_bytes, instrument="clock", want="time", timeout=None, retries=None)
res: 11:20
